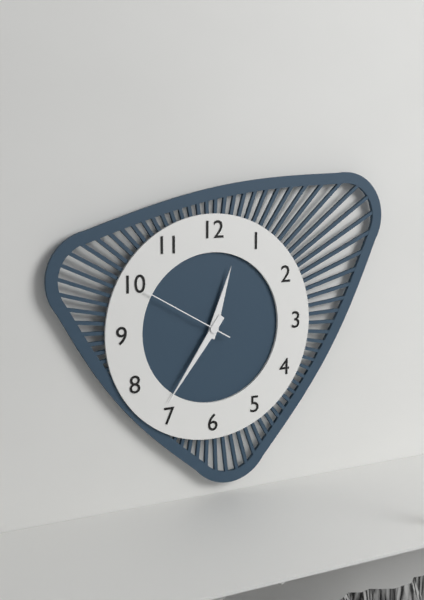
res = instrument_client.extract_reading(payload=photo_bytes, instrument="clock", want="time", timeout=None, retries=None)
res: 12:36:50
